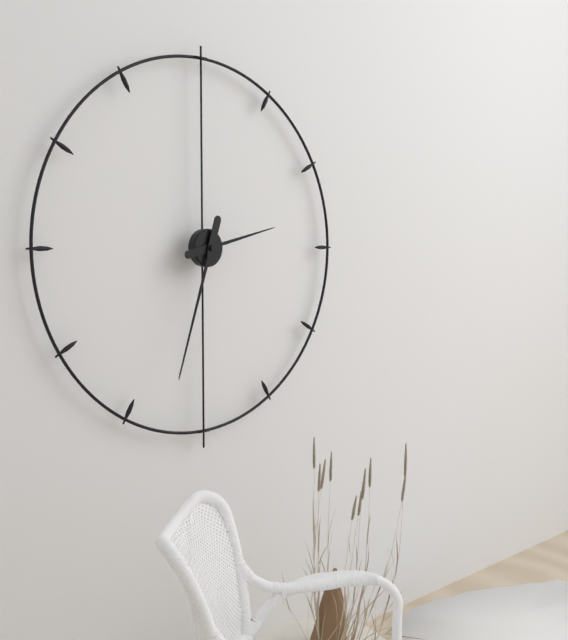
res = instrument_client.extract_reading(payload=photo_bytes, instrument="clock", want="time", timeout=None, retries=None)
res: 2:33
